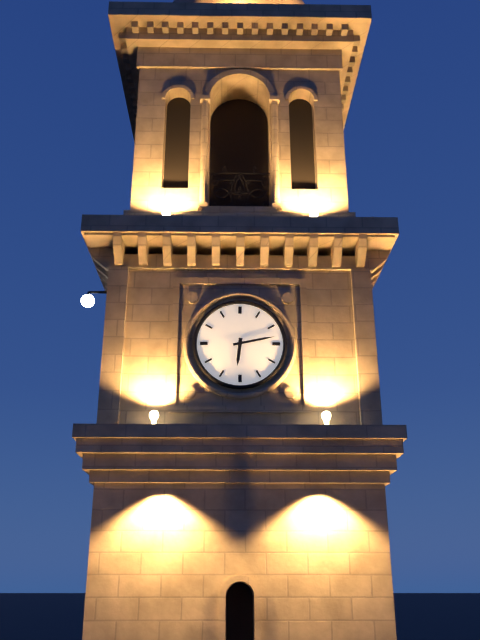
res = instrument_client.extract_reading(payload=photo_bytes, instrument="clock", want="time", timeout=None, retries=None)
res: 6:13
